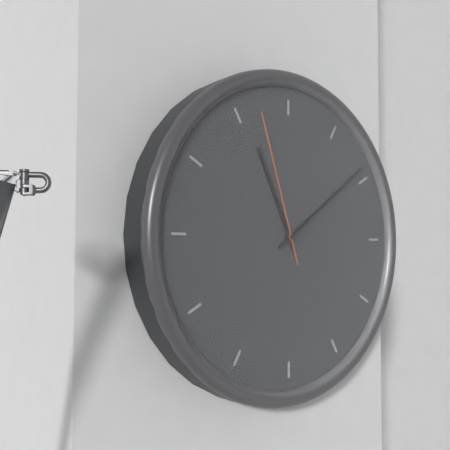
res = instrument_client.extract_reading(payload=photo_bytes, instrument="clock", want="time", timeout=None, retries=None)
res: 11:09:57
